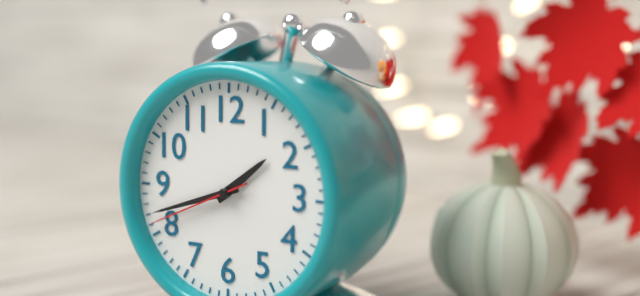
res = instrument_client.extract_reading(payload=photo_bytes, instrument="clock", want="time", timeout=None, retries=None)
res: 1:42:41
